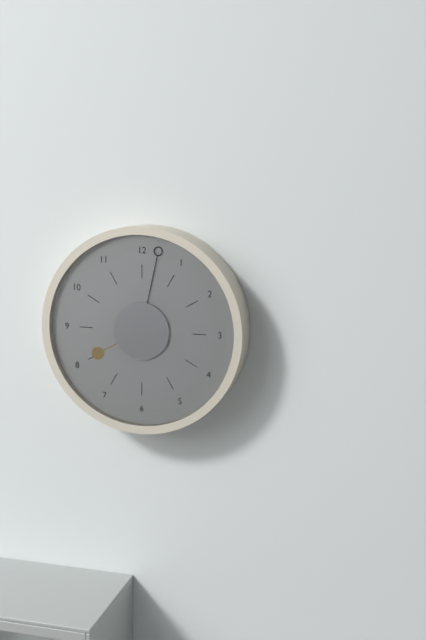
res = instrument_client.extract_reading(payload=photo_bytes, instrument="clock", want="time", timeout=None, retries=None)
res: 8:02
